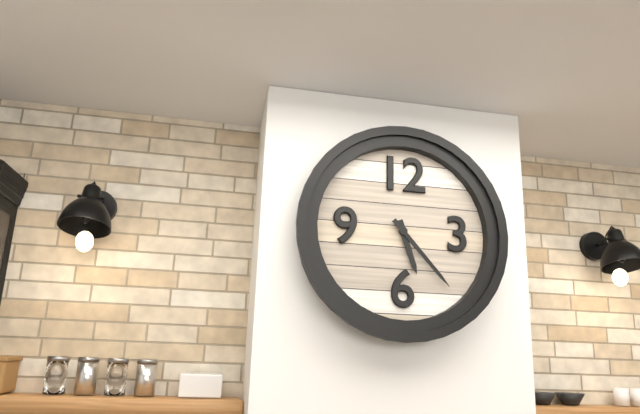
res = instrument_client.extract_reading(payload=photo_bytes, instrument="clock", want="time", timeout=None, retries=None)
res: 5:23
